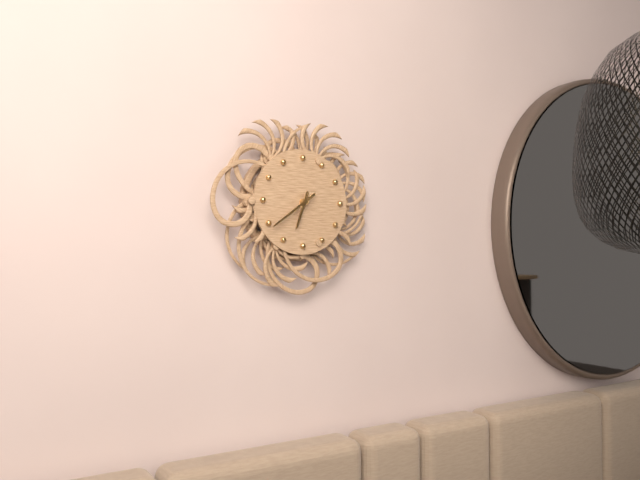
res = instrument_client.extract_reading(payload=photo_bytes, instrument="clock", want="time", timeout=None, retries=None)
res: 6:39
